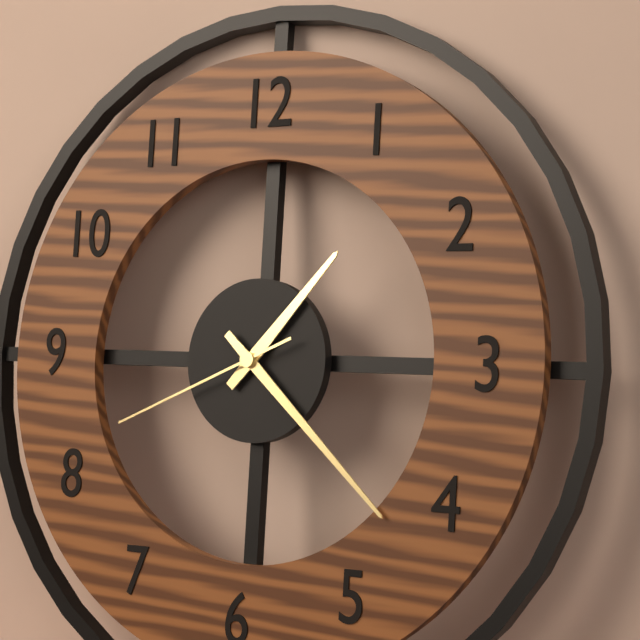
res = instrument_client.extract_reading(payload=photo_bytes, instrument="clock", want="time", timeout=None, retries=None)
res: 1:22:41
